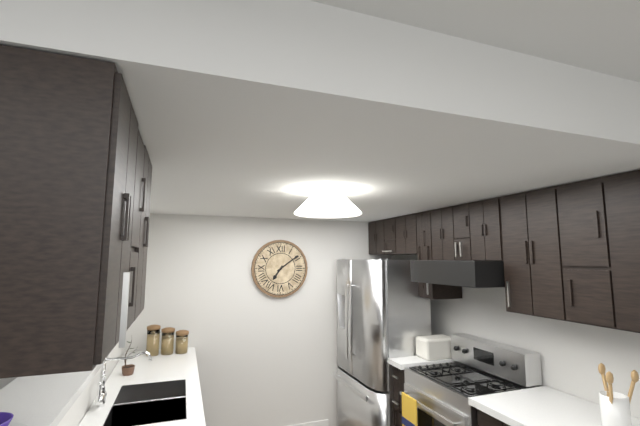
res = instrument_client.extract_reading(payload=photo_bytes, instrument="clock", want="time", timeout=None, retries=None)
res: 7:09
